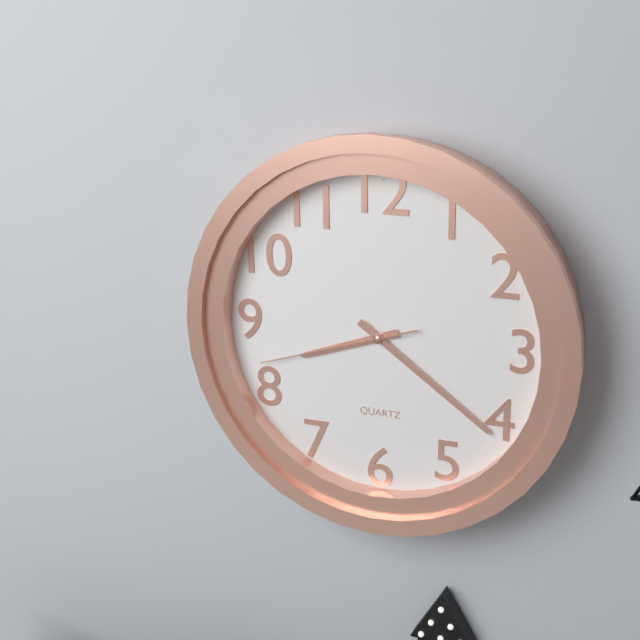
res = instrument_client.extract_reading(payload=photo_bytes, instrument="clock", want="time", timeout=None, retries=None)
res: 8:21:42
